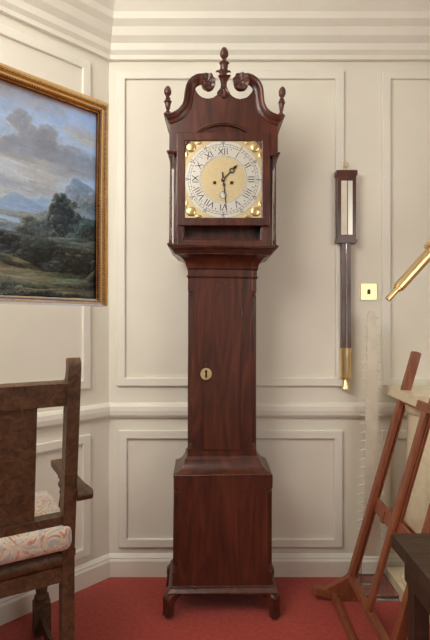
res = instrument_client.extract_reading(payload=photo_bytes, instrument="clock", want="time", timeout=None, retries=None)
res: 1:29
